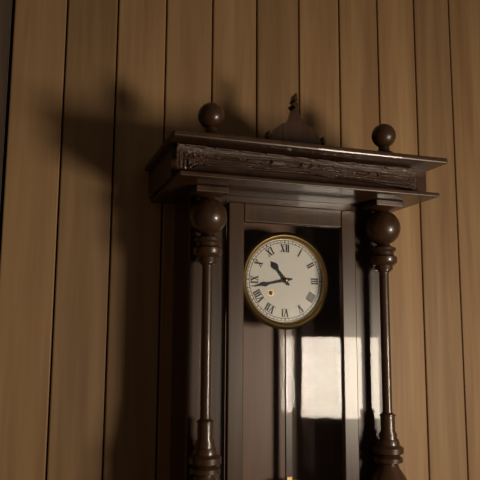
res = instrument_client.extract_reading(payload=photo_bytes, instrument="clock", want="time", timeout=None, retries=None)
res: 10:43
